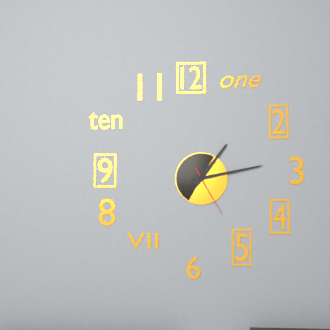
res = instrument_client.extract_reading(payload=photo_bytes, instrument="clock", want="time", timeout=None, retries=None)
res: 1:13:25
